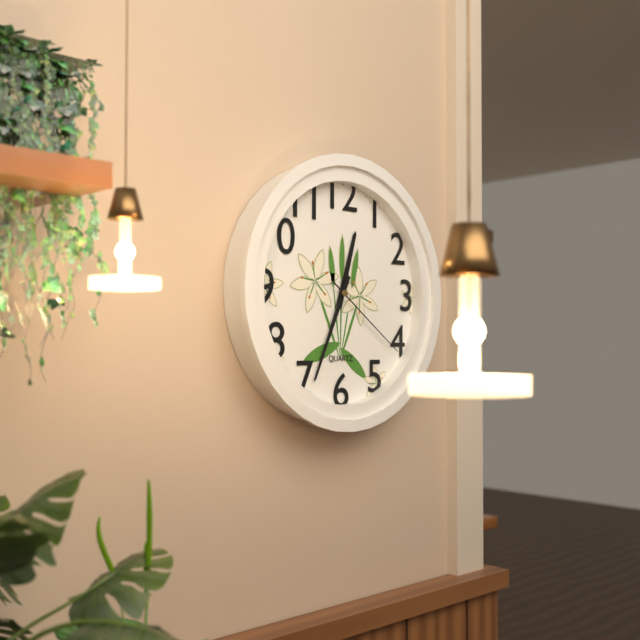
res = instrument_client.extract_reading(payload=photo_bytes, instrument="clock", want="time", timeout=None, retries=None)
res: 12:34:21
